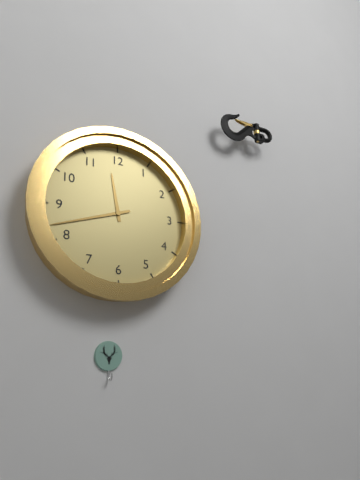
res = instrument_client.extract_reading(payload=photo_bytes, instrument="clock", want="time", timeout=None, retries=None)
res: 11:42
